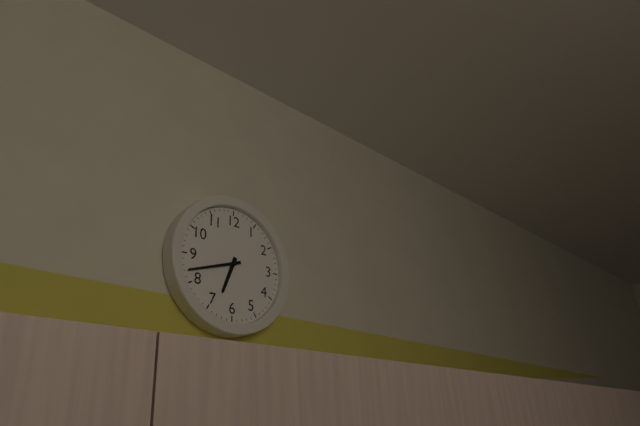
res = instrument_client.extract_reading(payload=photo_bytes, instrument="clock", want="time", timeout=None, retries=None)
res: 6:42
